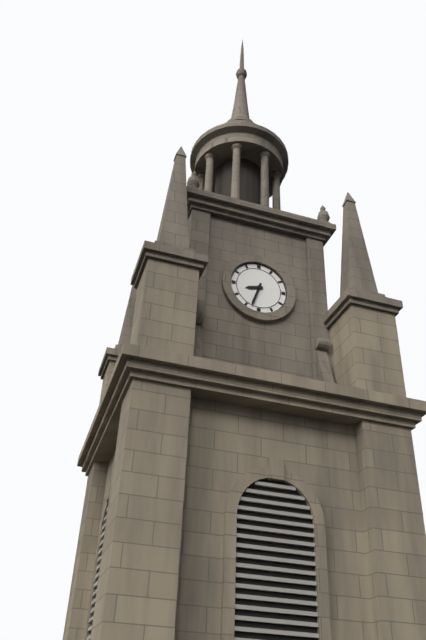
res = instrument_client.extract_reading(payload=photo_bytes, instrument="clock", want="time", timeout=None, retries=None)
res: 8:33
